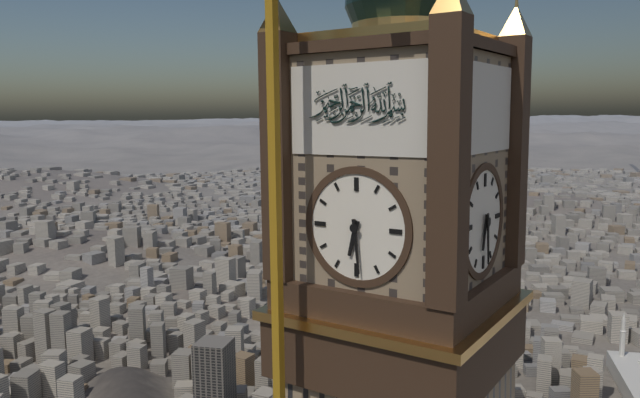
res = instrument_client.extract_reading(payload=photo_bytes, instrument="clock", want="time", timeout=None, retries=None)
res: 6:29
